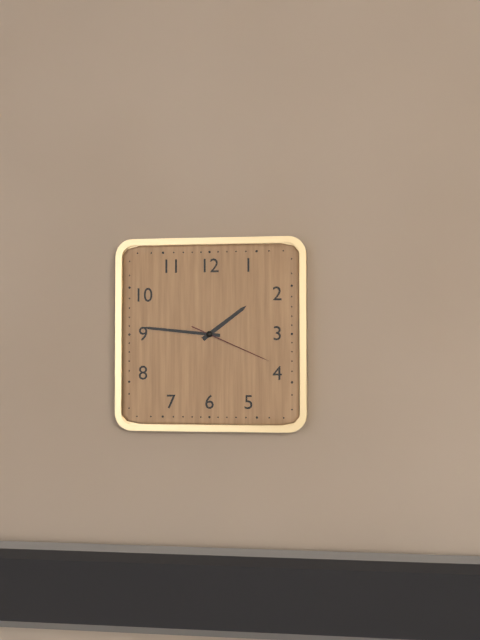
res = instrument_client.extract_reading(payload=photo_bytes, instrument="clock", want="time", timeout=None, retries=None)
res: 1:46:19
